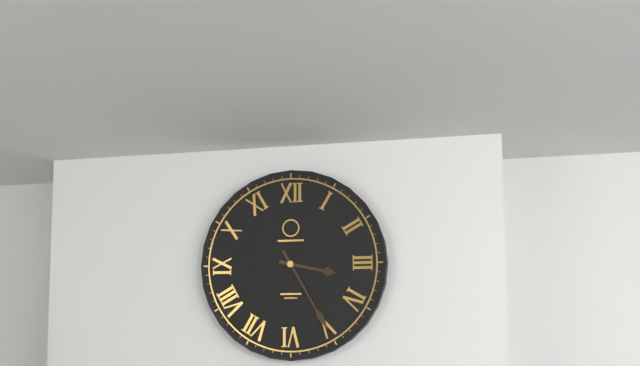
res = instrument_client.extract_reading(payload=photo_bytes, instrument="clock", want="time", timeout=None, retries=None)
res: 3:25
